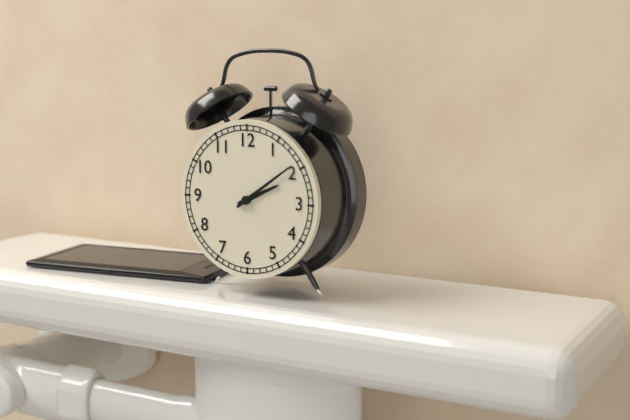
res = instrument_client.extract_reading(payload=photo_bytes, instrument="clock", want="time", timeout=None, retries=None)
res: 2:09
